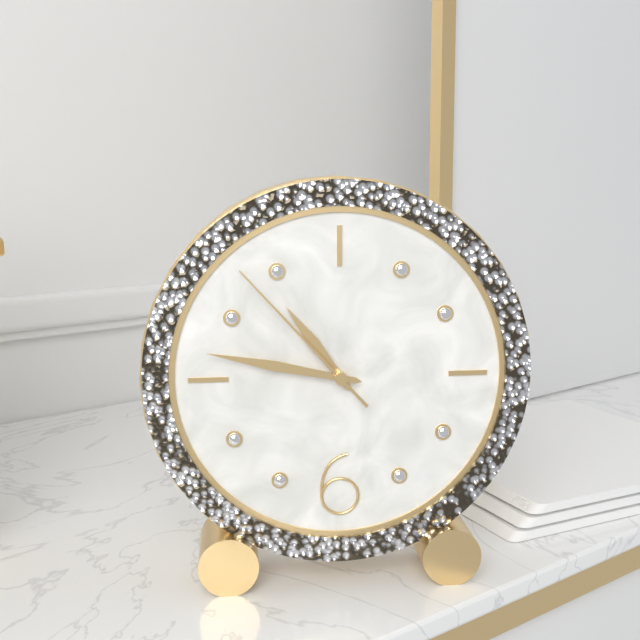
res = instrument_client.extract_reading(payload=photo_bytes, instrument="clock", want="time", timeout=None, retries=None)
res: 10:47:53
